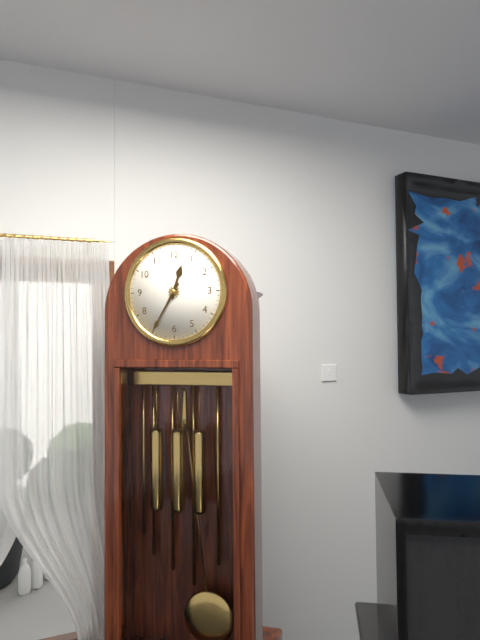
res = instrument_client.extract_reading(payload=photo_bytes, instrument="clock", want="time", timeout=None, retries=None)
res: 12:35
